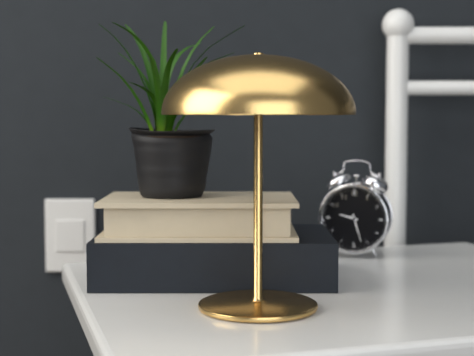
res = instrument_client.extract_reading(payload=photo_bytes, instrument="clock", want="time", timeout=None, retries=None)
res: 9:27
